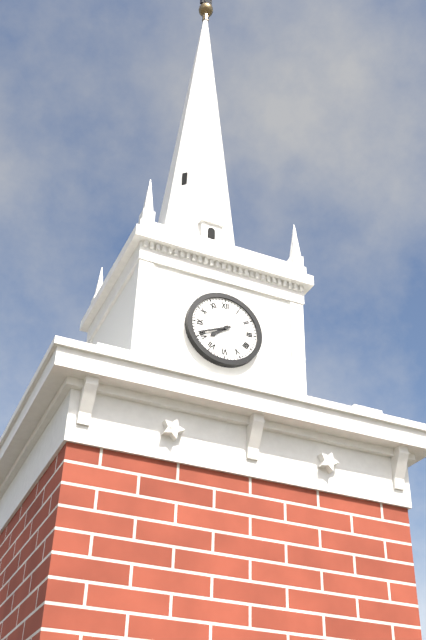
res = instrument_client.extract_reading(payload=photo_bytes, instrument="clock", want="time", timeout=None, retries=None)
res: 7:41
